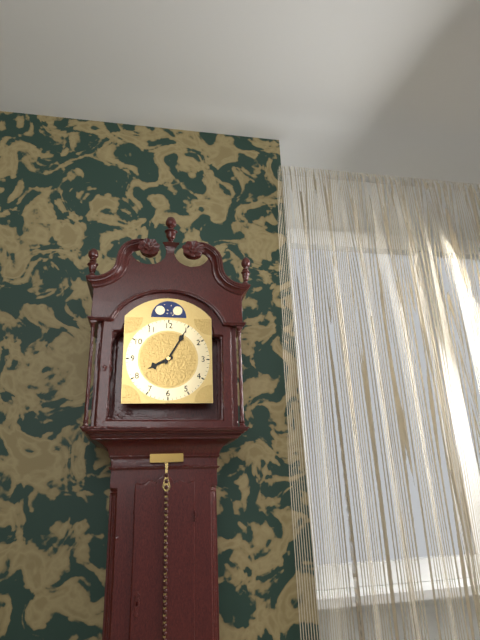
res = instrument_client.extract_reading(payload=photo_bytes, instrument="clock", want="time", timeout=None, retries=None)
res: 8:05
